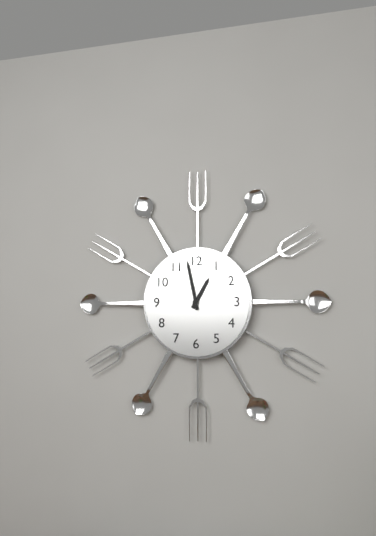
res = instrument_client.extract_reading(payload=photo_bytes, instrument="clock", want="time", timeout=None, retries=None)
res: 12:58
